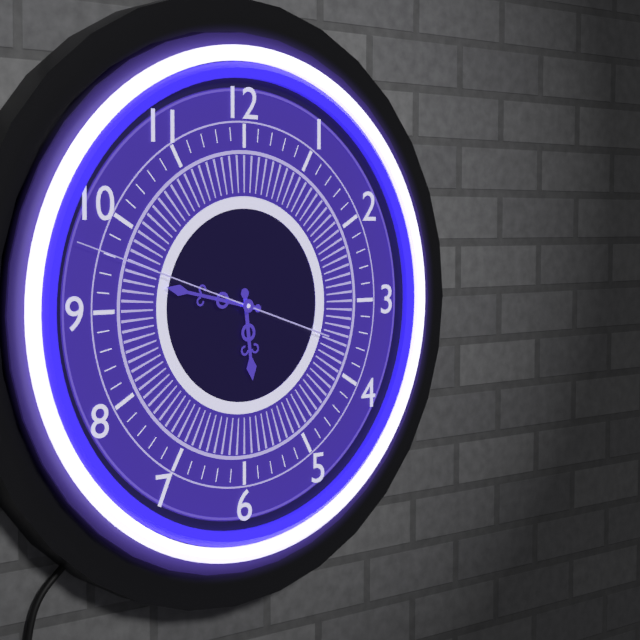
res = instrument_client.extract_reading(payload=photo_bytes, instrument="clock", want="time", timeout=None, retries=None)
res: 5:47:48
